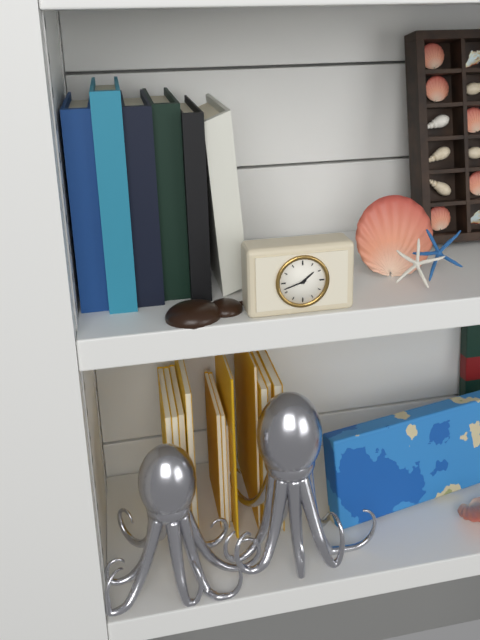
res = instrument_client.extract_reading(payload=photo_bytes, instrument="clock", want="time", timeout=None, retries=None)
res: 1:42
